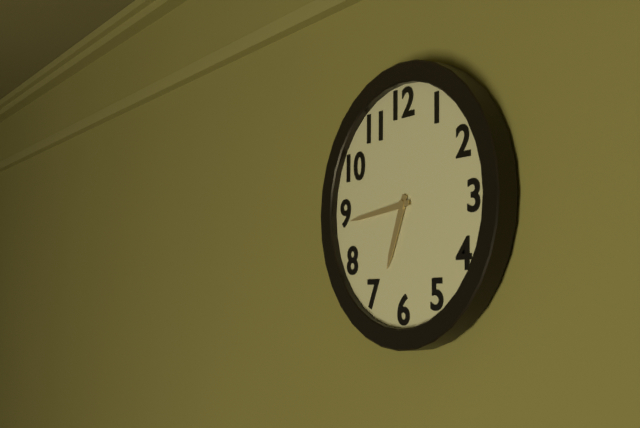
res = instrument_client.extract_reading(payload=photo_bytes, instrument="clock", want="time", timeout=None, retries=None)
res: 6:44
